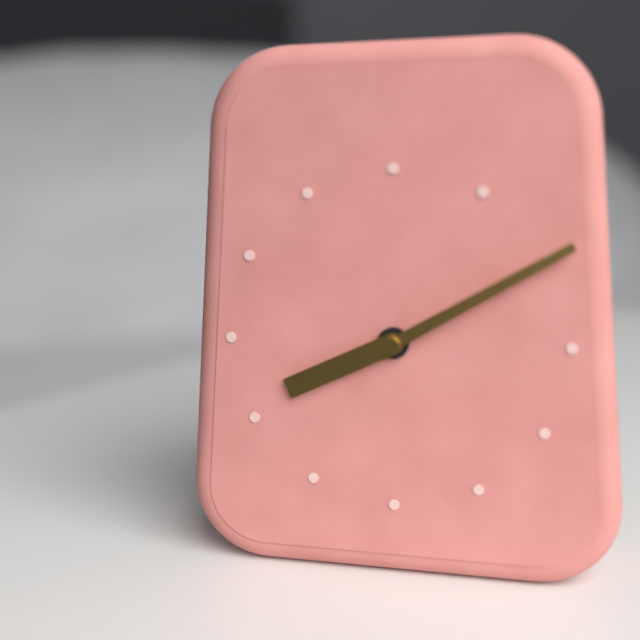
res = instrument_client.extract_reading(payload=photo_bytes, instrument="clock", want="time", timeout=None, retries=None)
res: 8:10
